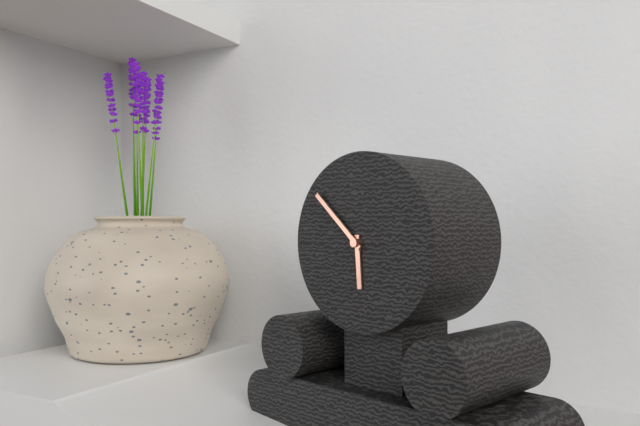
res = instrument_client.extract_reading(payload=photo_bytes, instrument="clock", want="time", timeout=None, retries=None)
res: 5:52
